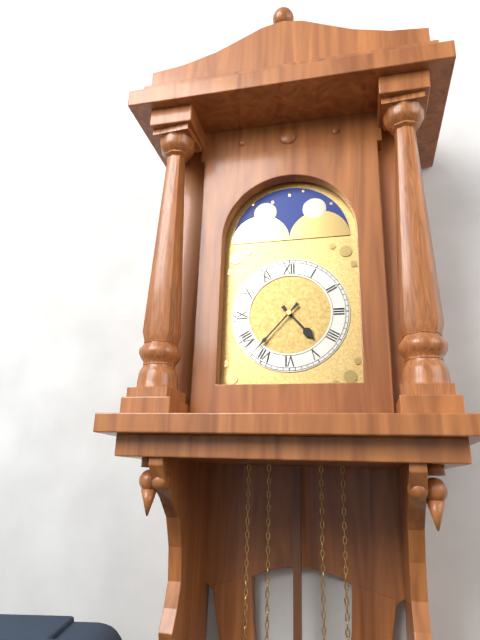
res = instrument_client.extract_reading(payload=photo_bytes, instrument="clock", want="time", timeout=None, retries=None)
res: 4:37
